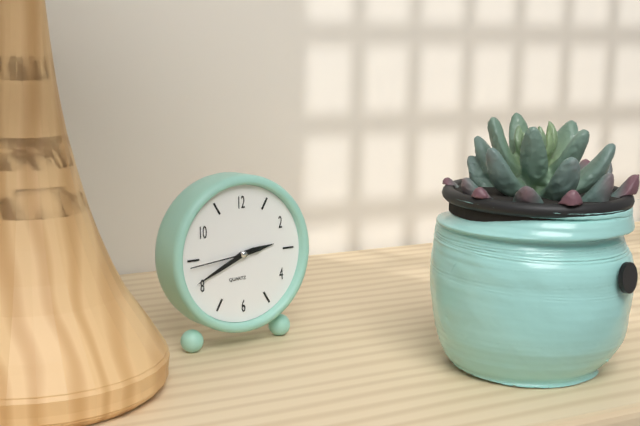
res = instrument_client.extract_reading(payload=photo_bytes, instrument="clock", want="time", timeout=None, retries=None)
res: 2:41:44
